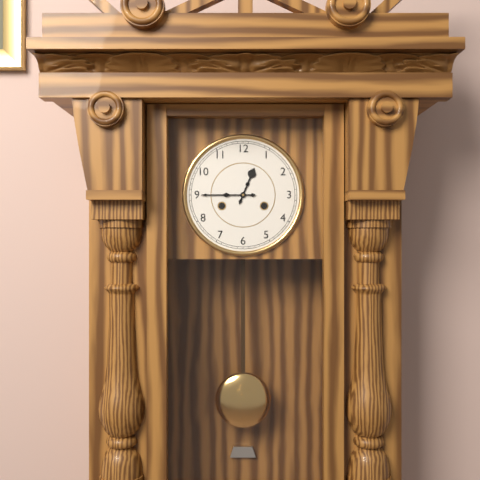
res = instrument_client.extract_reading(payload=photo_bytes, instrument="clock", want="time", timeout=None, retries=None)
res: 12:45
